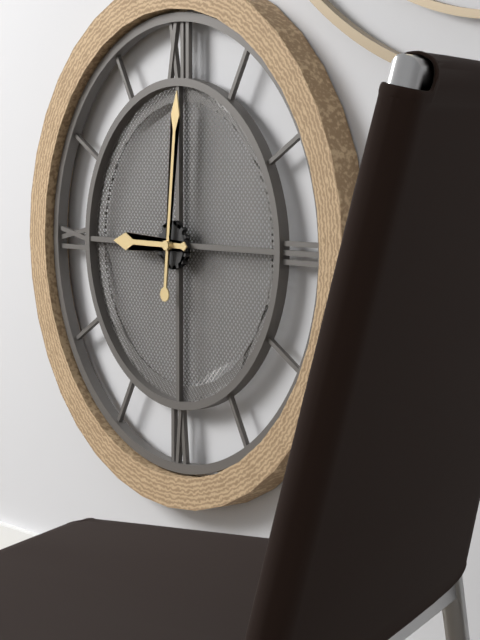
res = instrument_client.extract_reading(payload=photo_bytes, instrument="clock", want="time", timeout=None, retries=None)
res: 9:01
